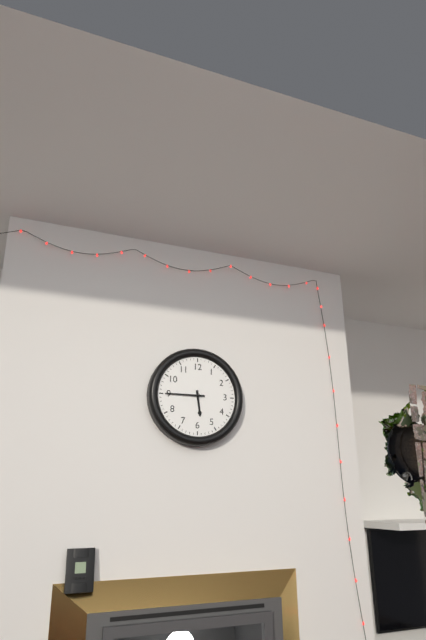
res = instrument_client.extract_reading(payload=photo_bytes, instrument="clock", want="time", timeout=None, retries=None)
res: 5:45
